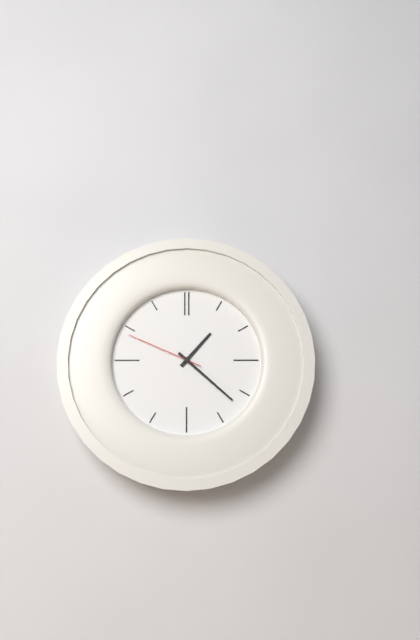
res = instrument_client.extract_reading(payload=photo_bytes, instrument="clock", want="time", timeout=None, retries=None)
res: 1:22:49
